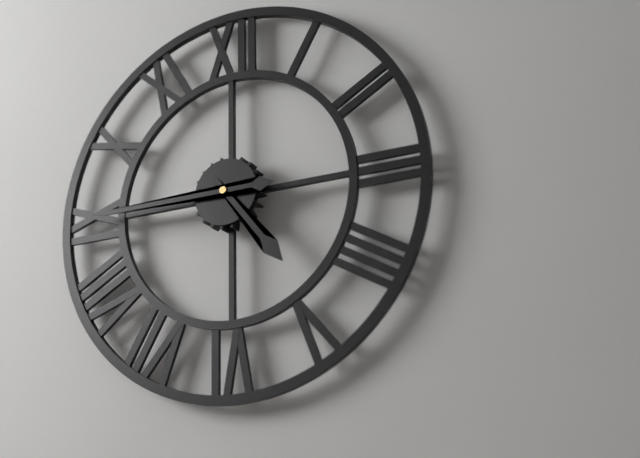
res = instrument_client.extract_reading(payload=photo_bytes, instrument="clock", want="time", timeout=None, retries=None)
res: 4:45
